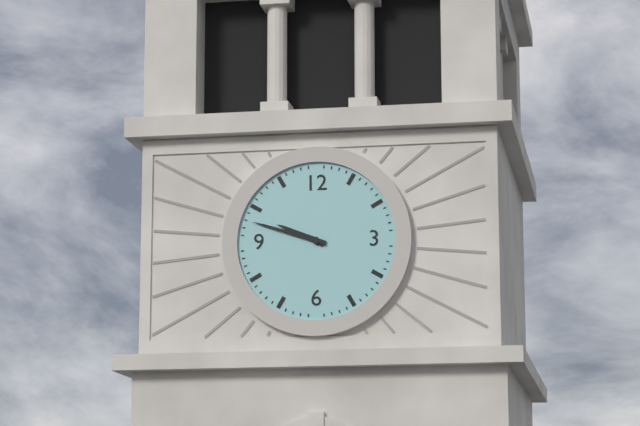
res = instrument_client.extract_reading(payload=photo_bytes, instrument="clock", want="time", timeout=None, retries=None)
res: 9:48
